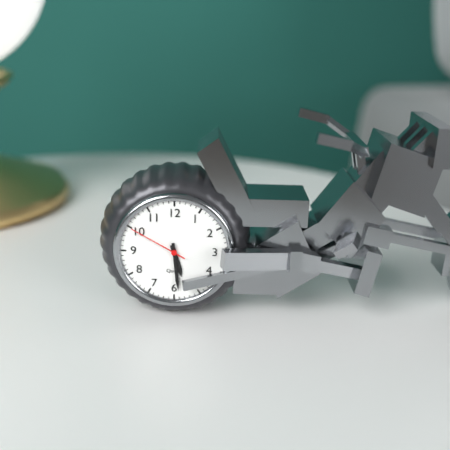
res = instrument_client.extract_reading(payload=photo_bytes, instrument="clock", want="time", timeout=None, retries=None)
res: 5:29:50
